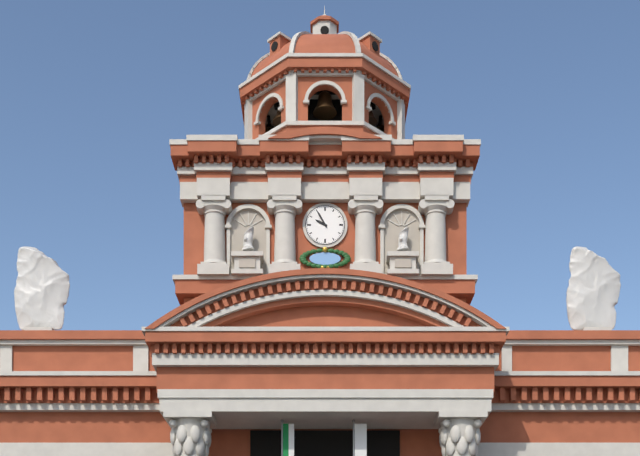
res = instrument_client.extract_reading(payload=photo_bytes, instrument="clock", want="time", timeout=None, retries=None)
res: 9:55
